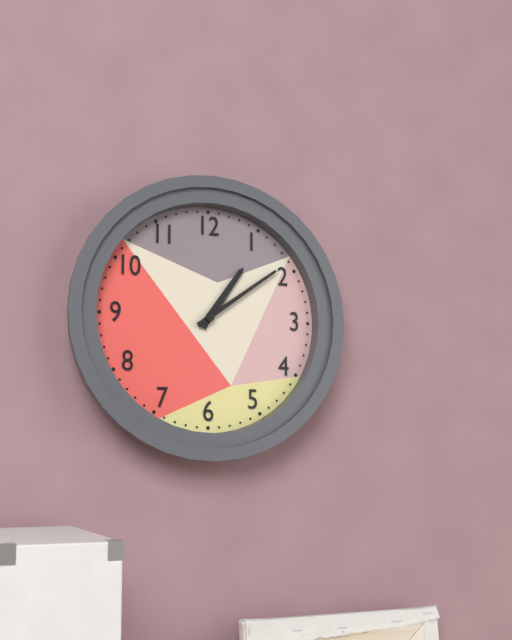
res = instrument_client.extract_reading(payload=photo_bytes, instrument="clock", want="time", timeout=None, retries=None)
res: 1:09
